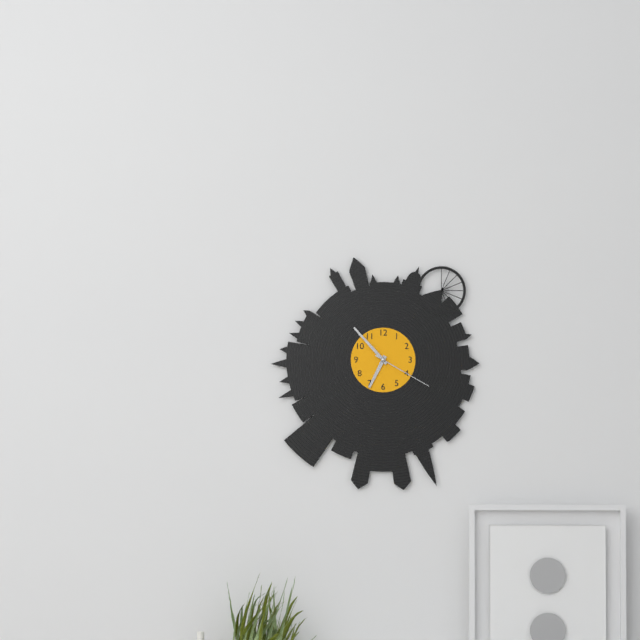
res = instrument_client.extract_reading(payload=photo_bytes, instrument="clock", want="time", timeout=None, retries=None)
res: 6:53:20
